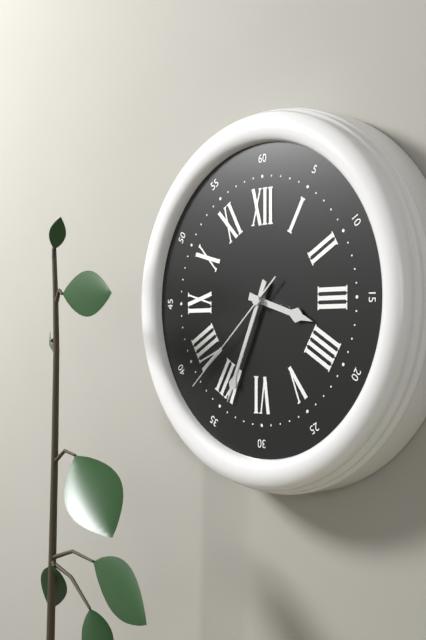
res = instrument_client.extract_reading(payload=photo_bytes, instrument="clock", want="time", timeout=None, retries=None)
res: 3:34:38
